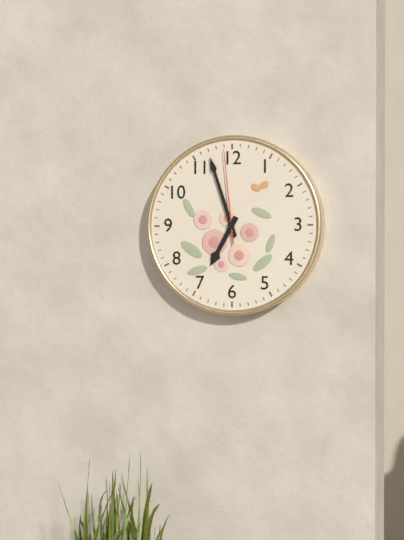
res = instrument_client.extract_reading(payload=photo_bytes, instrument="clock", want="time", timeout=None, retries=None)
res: 6:57:59
